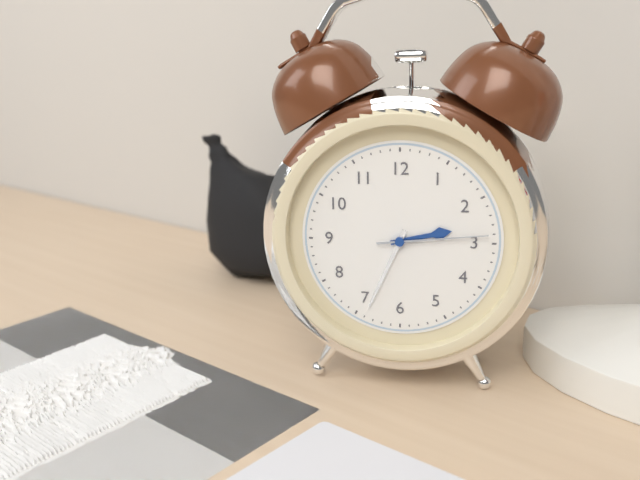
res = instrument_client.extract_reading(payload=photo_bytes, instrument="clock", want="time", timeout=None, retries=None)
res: 2:34:14
